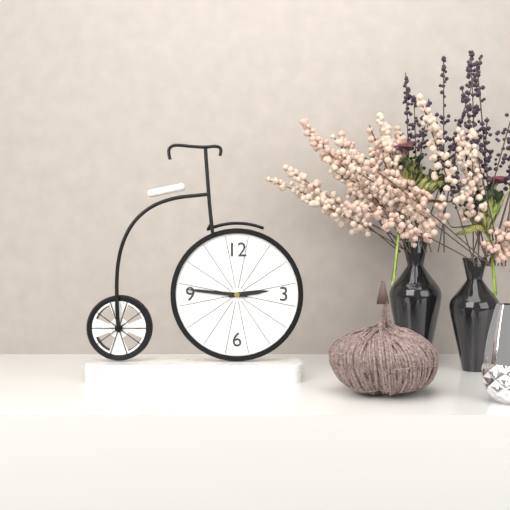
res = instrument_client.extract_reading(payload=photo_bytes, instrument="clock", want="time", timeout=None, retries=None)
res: 2:46
